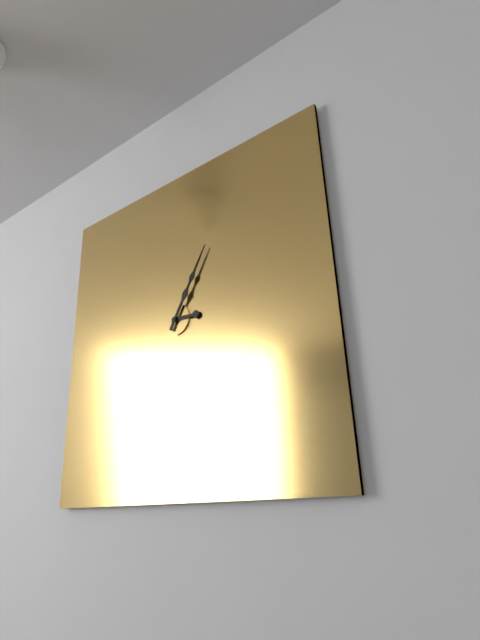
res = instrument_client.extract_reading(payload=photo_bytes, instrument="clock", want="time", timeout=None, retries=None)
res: 3:05
